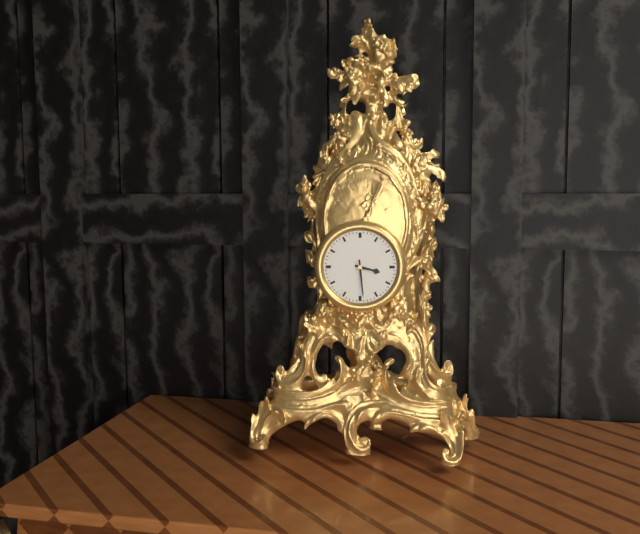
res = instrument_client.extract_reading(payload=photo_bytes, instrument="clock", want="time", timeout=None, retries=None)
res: 3:29
